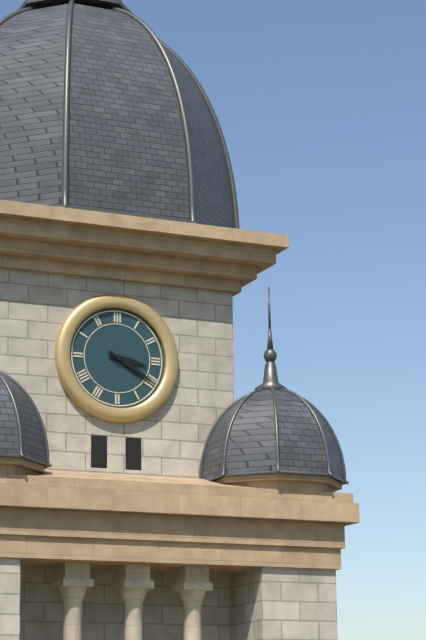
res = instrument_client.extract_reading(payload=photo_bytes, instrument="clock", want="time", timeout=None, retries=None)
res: 3:20
